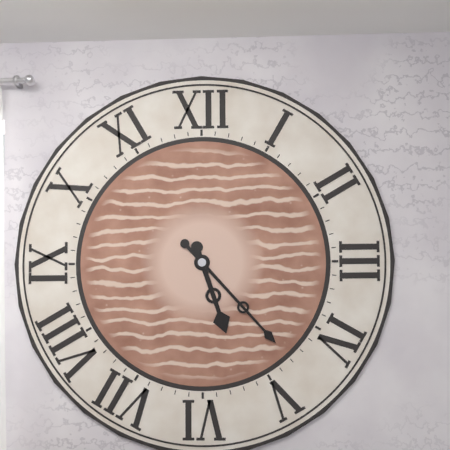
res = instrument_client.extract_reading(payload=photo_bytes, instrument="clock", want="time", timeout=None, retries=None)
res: 5:23
